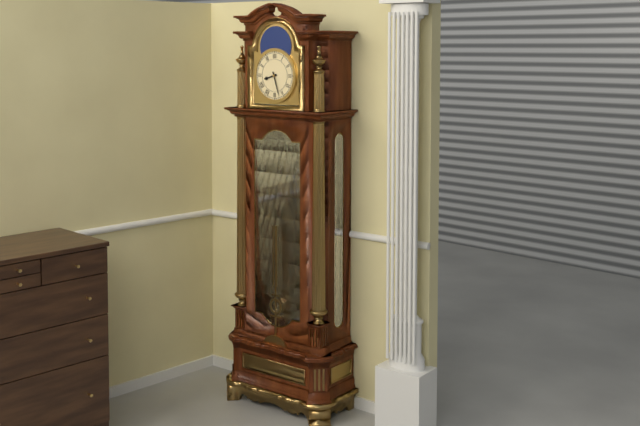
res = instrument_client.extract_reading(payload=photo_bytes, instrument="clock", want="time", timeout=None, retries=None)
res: 8:27
